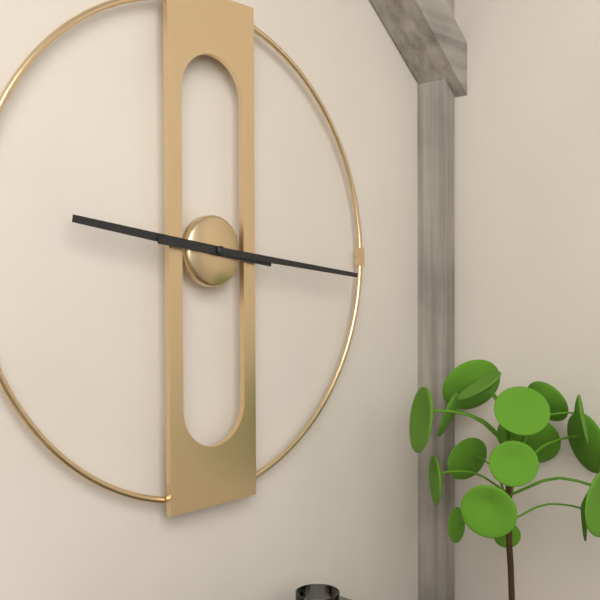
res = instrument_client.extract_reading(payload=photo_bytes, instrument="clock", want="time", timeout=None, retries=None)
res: 9:16
